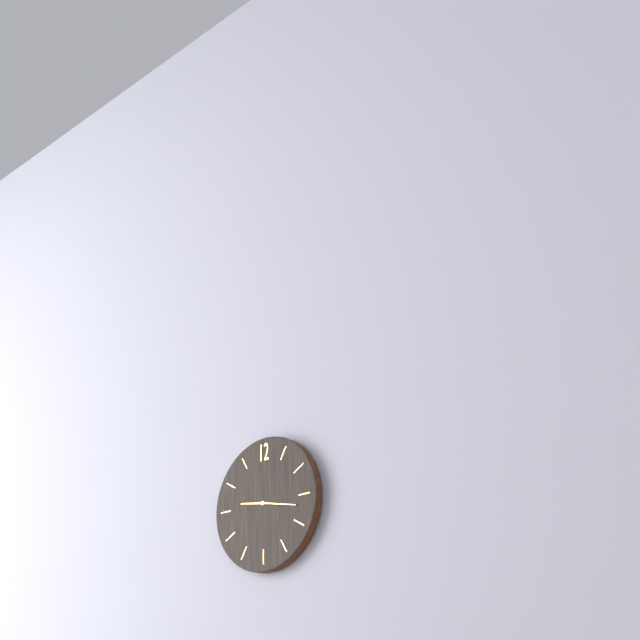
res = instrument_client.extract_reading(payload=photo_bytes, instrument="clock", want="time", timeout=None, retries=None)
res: 9:17
